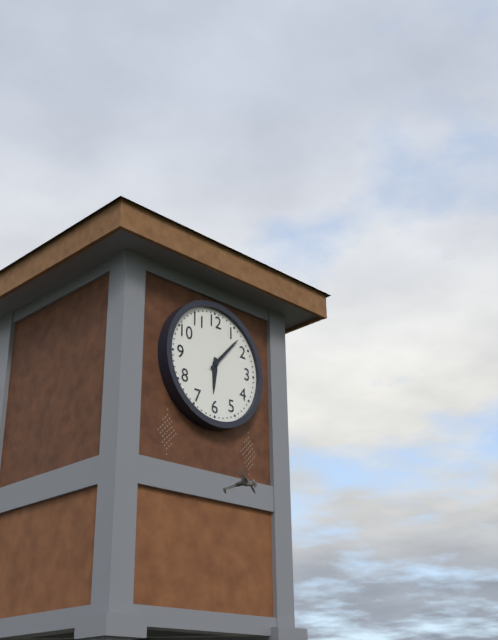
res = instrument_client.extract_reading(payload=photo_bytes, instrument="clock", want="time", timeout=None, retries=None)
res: 6:07
